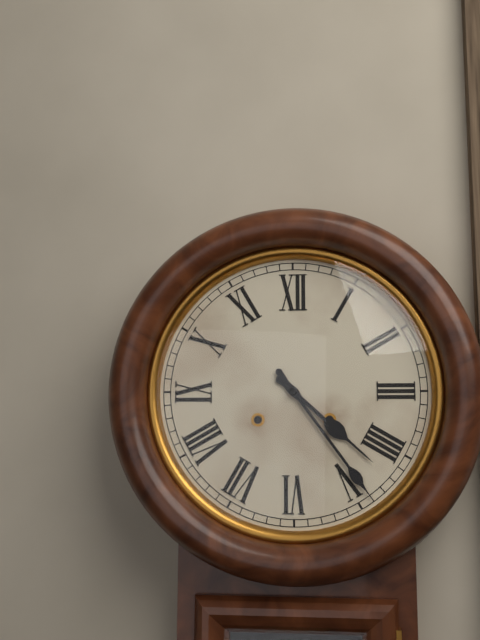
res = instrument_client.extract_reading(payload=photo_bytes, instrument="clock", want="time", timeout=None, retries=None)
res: 4:24
